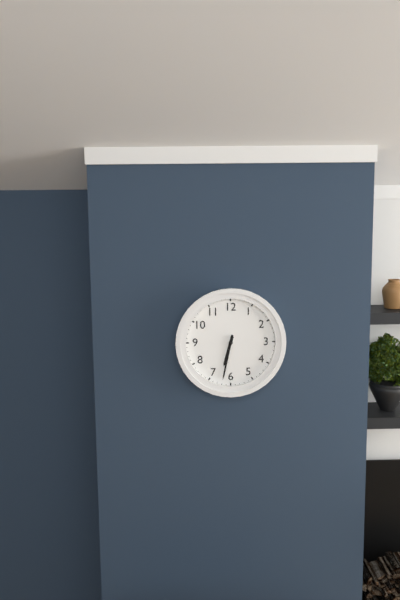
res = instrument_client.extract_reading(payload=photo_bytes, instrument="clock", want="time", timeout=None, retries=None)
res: 6:32
